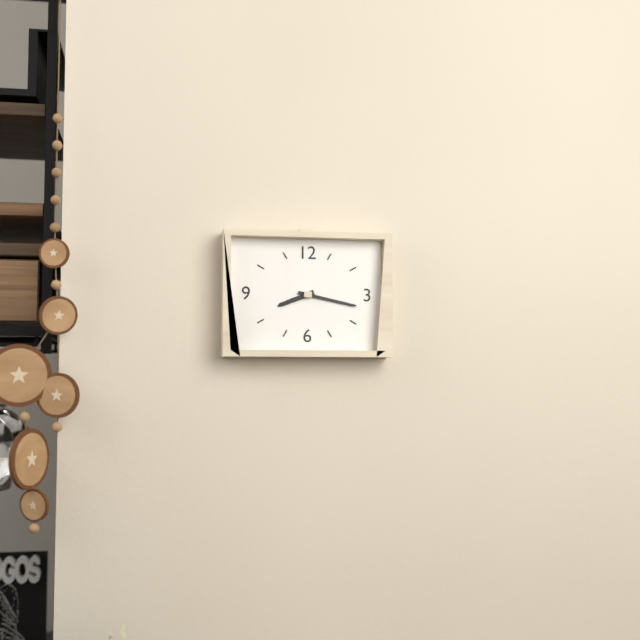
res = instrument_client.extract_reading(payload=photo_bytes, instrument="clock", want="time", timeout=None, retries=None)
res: 8:17
